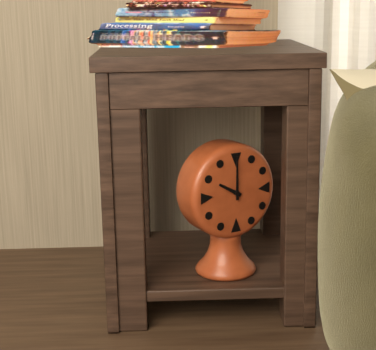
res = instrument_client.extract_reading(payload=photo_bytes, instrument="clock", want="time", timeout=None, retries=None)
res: 10:00
